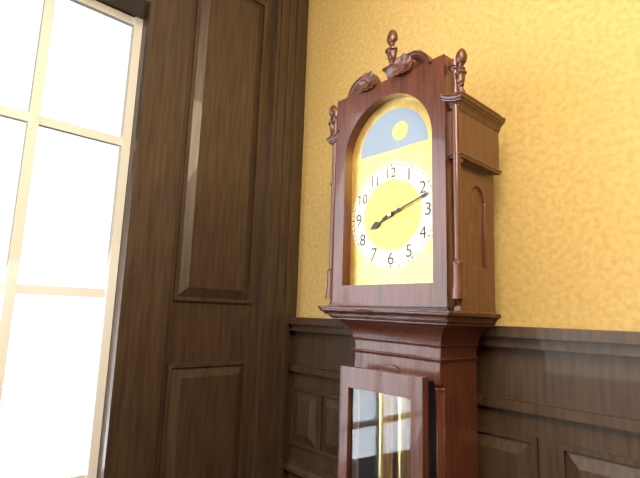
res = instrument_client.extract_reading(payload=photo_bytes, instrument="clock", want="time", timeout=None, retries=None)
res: 8:12
